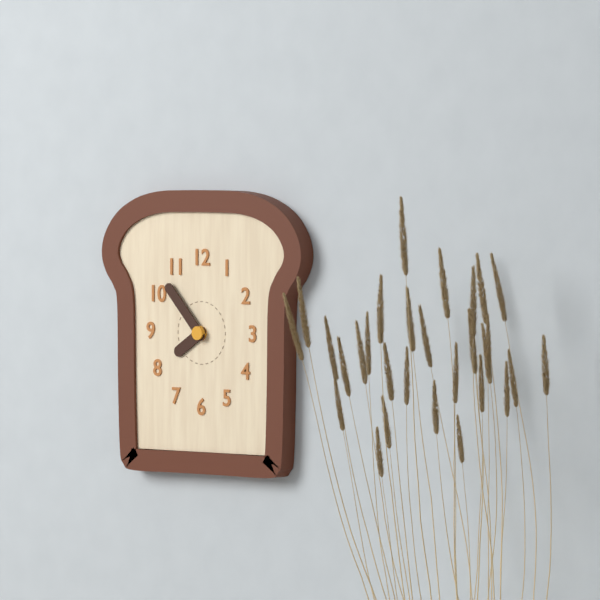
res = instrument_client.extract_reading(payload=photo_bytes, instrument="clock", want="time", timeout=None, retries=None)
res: 7:53
